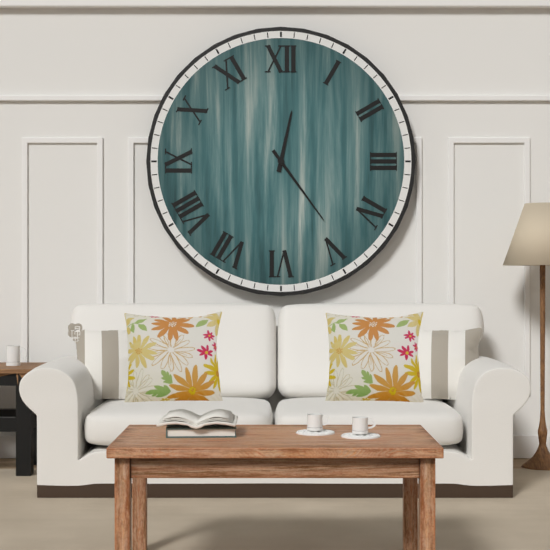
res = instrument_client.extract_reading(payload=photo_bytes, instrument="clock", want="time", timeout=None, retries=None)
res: 12:24
